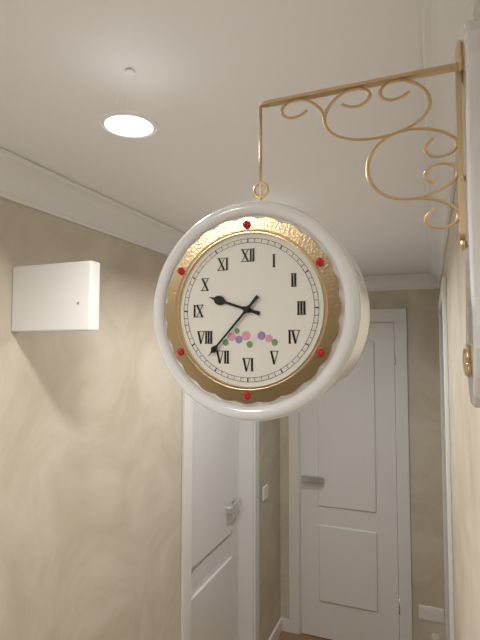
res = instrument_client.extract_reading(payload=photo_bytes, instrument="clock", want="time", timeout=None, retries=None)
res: 9:37
